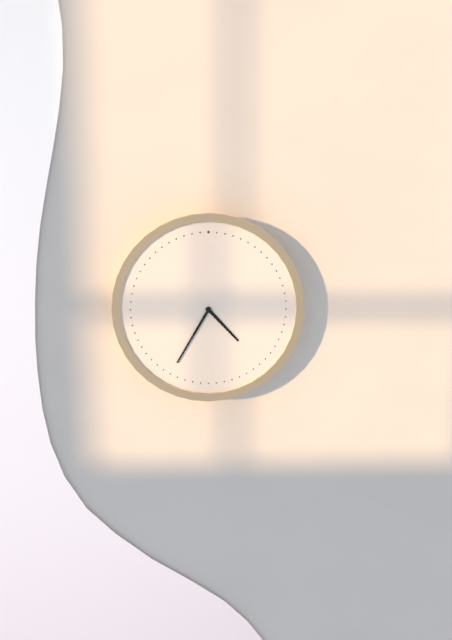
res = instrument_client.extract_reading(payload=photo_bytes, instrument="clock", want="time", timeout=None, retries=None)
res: 4:35
